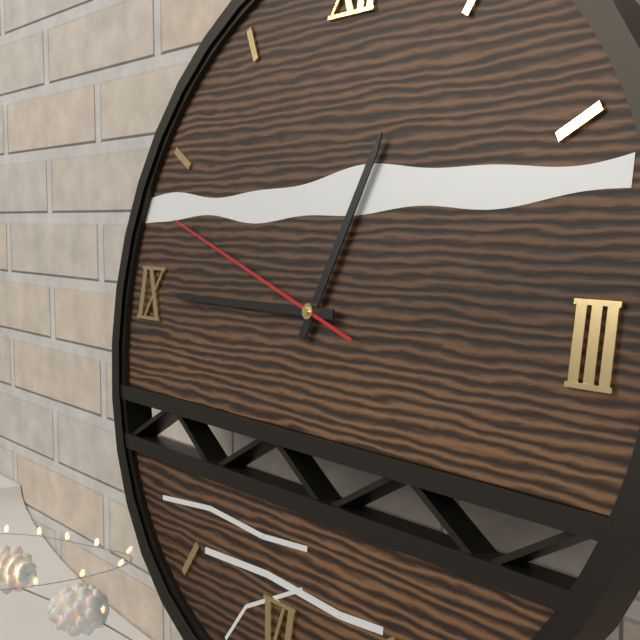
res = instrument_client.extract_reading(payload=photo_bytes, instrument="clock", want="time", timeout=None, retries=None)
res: 12:45:48
